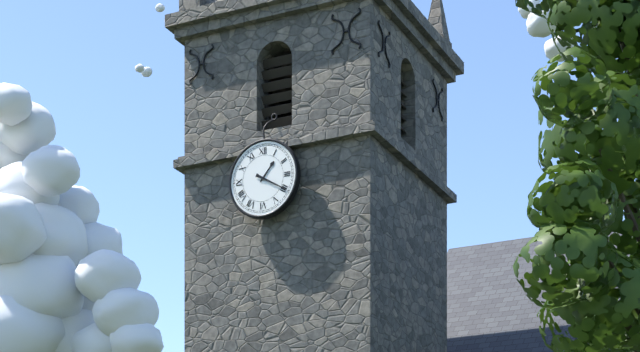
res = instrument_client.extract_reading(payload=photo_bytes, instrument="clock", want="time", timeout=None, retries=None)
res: 1:20
